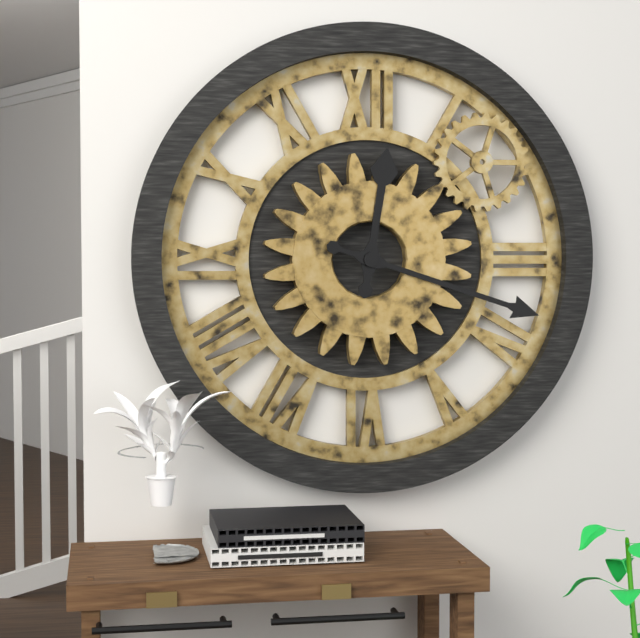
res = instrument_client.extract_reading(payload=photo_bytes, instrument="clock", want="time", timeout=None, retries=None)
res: 12:18
